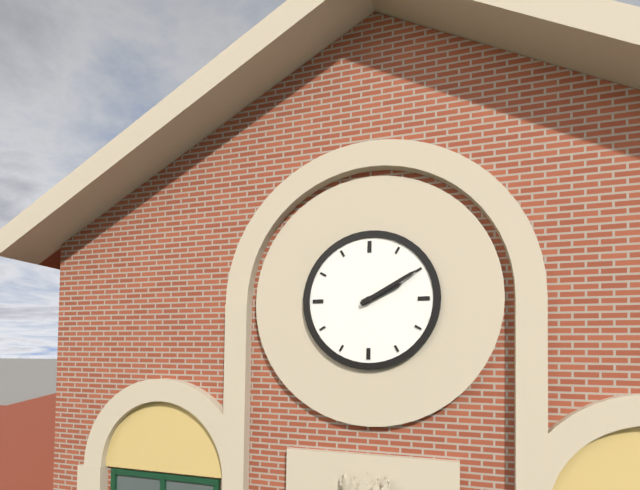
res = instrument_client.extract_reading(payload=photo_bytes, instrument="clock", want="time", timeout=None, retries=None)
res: 2:10
